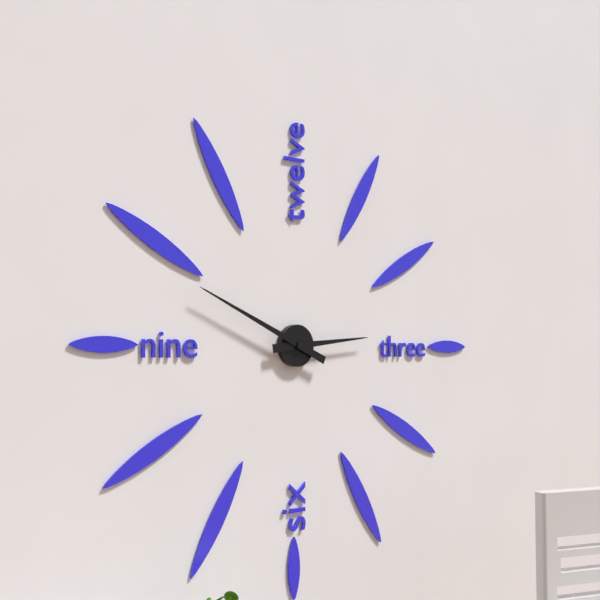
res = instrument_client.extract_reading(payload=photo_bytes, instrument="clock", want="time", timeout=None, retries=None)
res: 2:49
